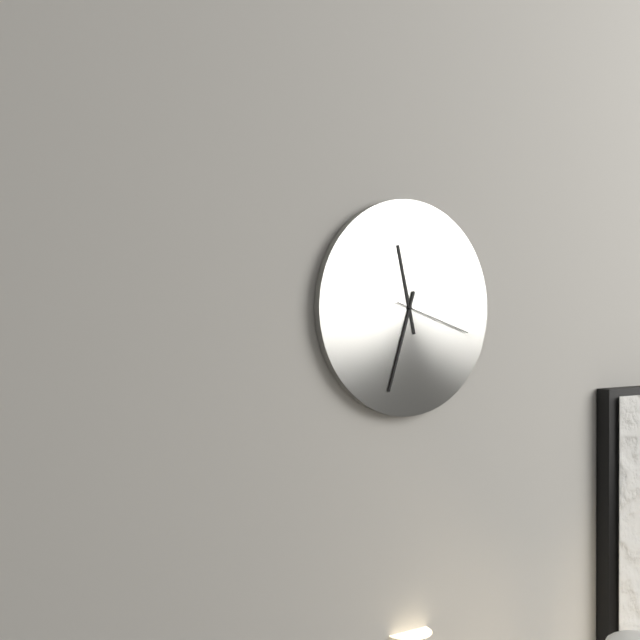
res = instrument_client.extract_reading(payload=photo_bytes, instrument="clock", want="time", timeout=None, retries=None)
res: 11:33:18
